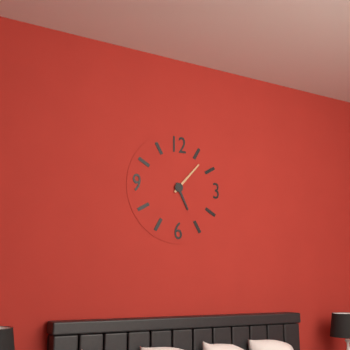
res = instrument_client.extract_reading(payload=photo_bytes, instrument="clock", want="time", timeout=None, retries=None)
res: 5:07
